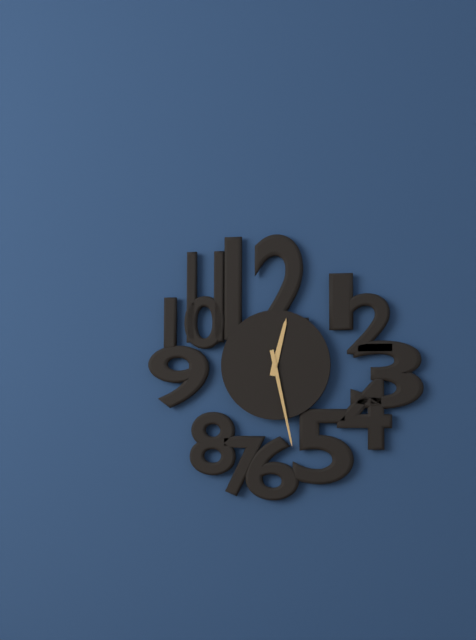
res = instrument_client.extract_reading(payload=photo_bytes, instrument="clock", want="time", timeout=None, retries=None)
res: 12:28
